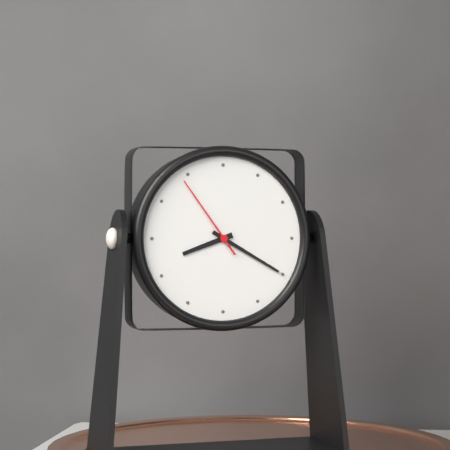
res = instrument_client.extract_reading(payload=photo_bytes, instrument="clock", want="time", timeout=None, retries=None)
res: 8:20:54
